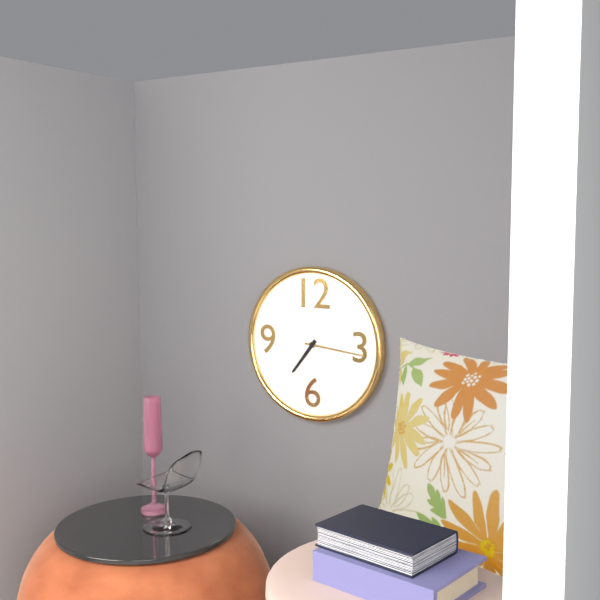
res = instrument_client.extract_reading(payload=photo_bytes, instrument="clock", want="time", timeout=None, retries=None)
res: 7:16
